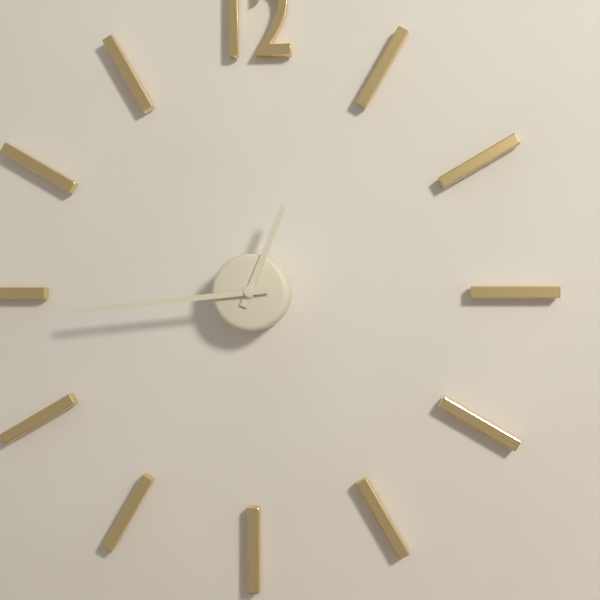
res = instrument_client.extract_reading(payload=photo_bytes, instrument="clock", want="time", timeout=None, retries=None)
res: 12:44
